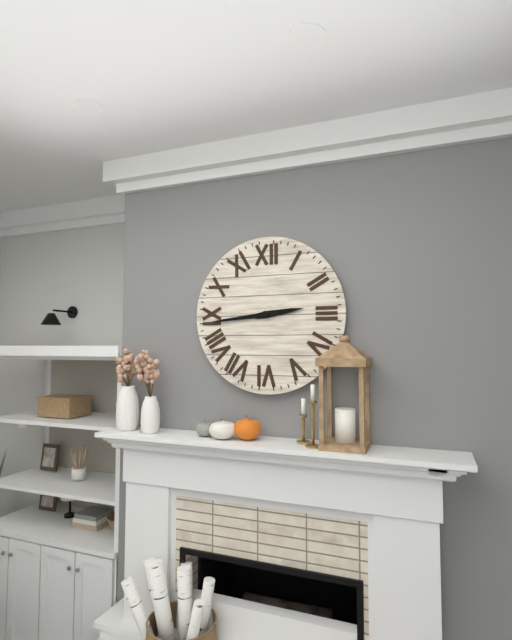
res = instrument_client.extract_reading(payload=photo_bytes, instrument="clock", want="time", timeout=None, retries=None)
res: 2:44
